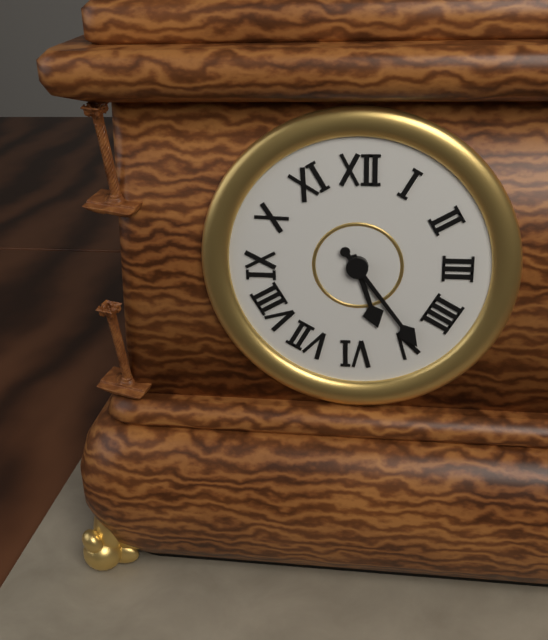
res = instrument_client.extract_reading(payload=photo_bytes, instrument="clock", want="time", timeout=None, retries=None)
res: 5:24
